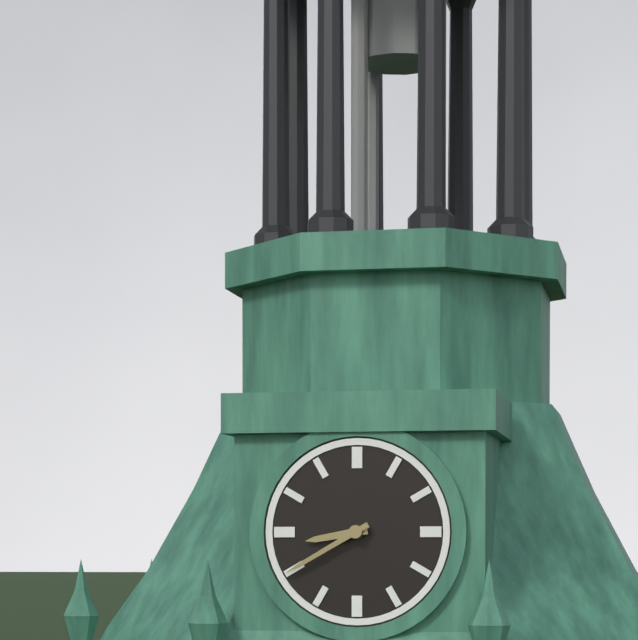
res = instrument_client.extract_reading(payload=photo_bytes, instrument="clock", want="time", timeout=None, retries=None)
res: 8:40
